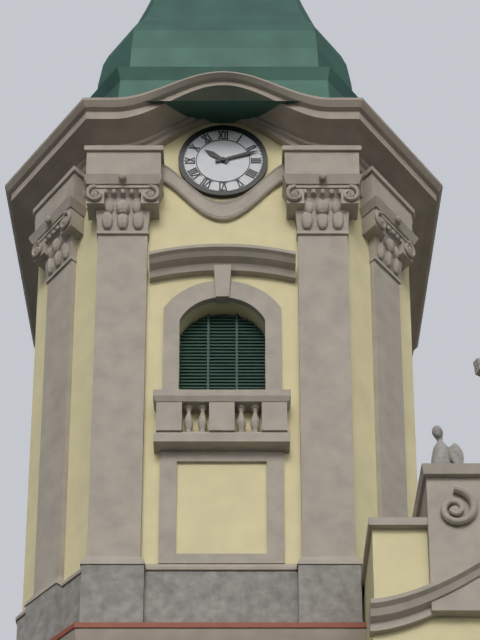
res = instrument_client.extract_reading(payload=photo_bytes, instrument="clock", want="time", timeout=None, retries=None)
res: 10:12
